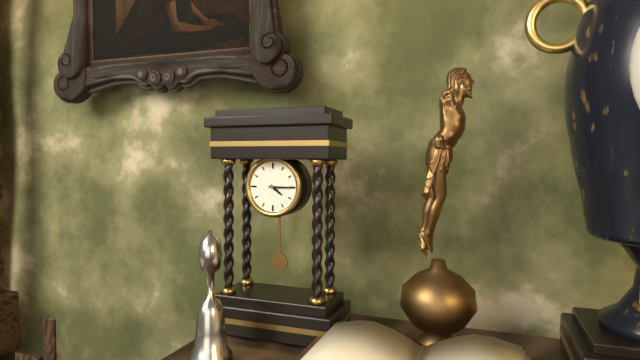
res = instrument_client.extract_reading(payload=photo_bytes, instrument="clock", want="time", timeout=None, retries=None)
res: 4:15
